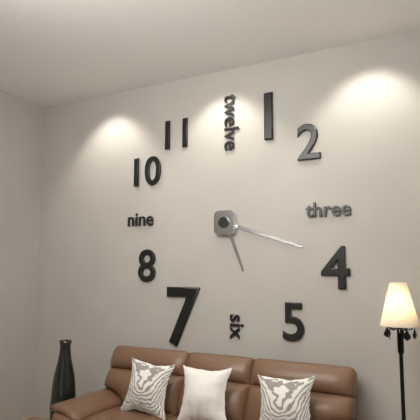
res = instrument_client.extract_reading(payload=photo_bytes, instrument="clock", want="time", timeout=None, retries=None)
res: 5:18
